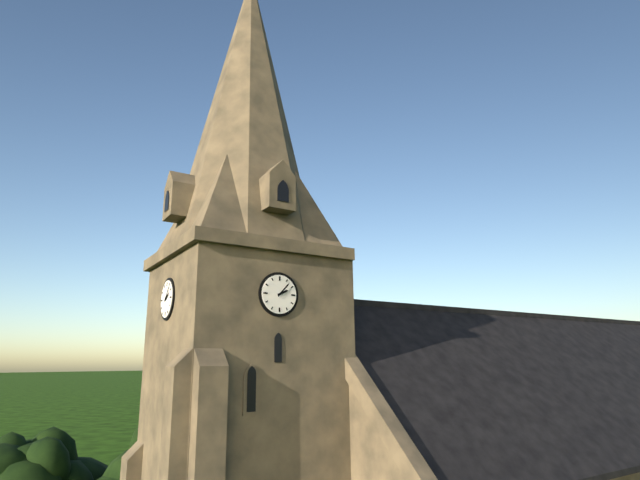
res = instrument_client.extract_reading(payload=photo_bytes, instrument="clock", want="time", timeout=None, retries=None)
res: 2:07
